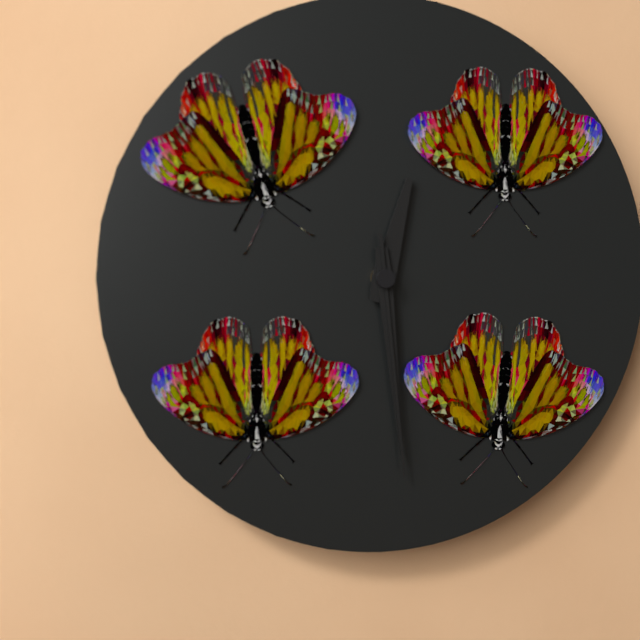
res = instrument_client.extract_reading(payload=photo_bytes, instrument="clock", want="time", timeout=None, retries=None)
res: 12:29:29
